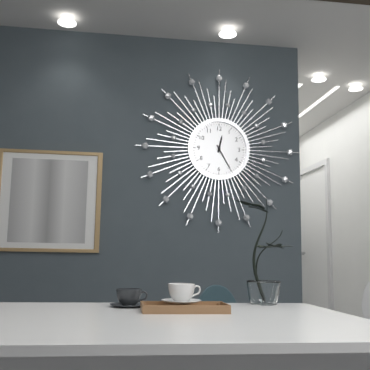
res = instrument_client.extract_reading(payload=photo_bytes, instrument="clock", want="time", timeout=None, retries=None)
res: 12:25
